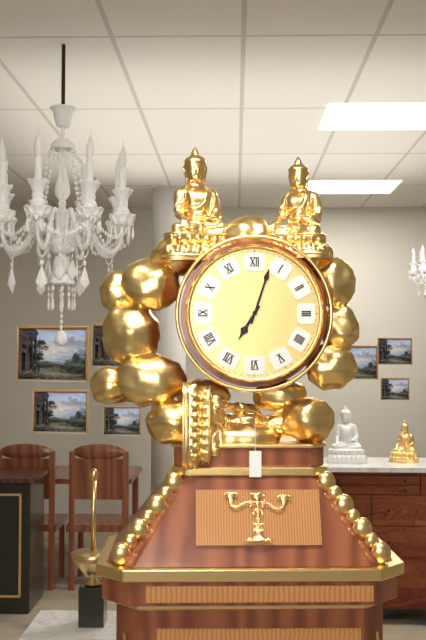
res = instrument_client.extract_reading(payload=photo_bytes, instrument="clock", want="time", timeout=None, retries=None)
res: 7:03
